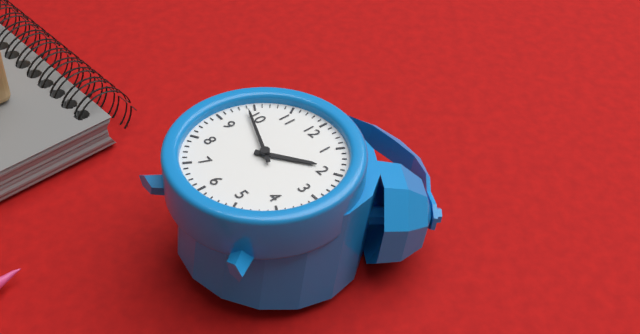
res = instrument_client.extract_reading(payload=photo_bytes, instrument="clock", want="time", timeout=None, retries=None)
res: 1:49
